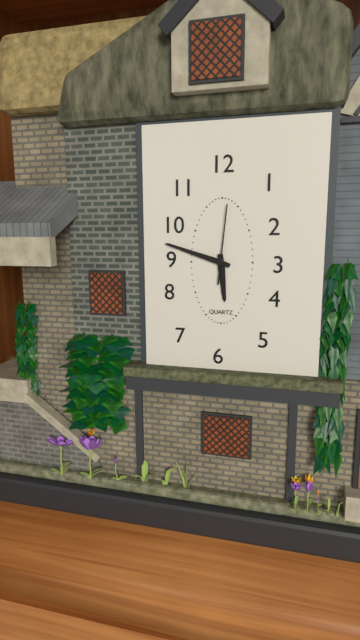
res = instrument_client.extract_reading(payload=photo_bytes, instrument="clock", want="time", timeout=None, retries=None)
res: 5:48:01
